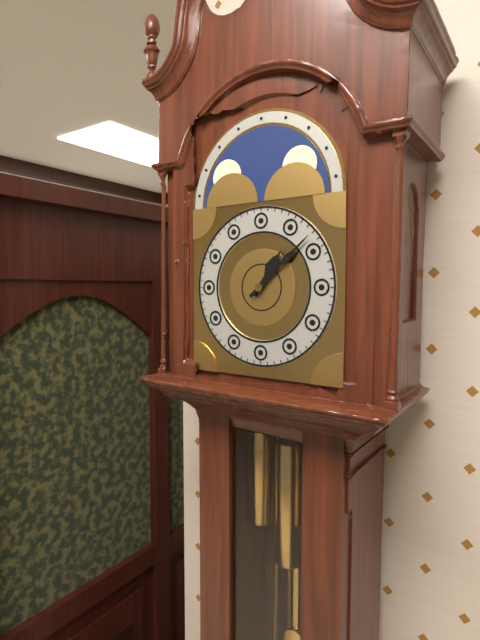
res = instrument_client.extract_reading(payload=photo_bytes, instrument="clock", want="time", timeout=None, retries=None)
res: 1:08
